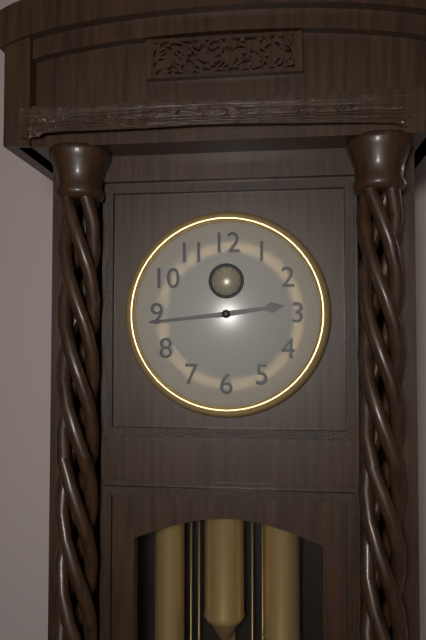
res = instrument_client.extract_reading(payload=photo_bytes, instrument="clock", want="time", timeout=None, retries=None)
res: 2:44
